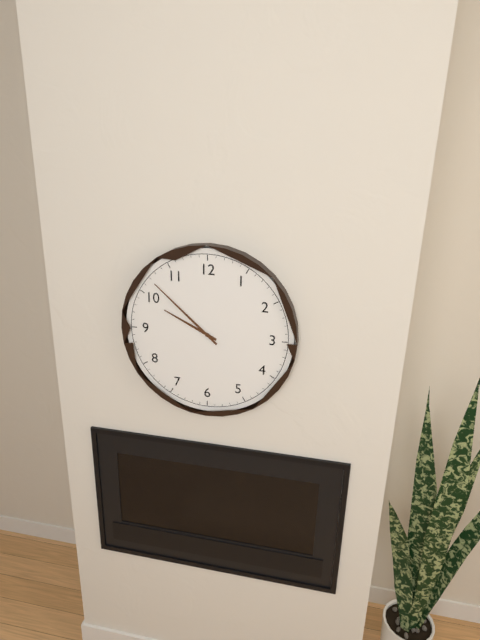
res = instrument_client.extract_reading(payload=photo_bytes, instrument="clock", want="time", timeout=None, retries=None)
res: 9:52
